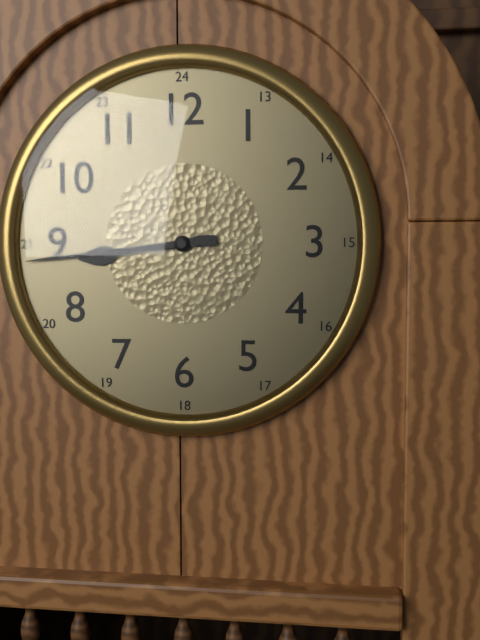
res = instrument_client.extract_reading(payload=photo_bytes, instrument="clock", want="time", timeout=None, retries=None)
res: 8:44
